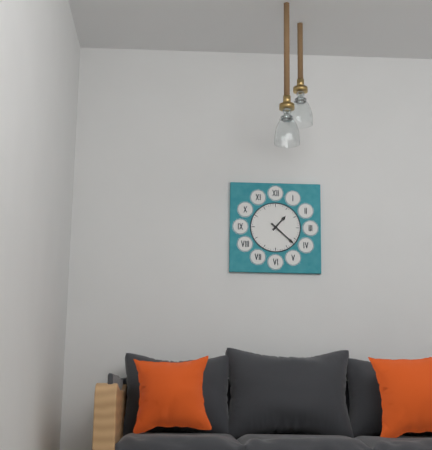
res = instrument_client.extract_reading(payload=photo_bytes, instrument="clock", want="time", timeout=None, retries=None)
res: 1:22
